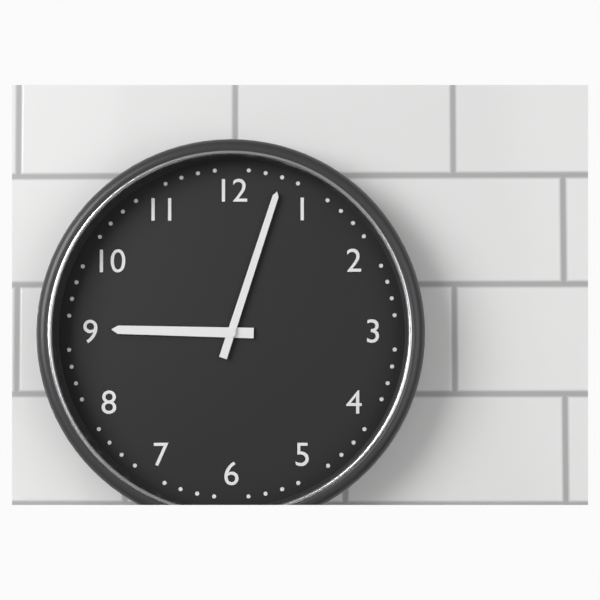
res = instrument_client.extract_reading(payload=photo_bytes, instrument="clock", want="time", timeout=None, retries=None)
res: 9:03
